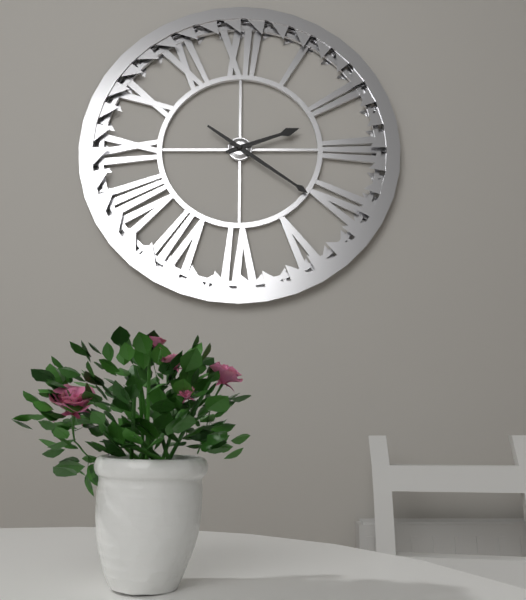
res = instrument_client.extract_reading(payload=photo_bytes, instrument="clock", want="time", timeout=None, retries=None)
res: 2:21
